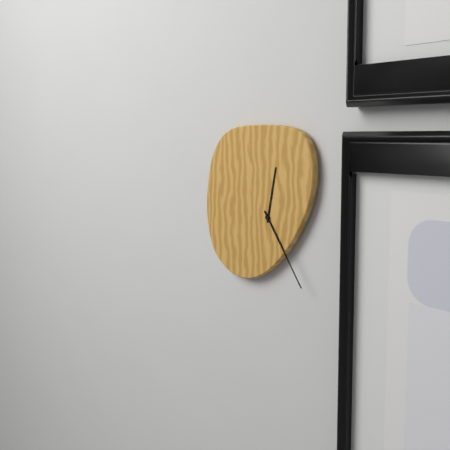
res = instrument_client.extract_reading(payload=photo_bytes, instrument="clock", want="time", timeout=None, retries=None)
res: 12:24
